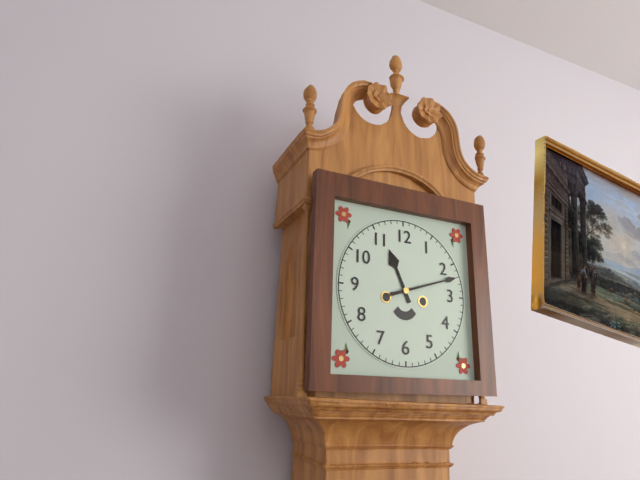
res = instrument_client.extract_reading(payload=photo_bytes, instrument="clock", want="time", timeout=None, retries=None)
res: 11:12
